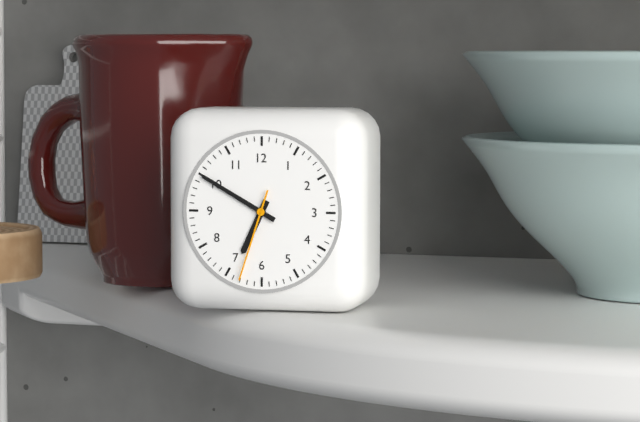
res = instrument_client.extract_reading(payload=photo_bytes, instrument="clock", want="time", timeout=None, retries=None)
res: 6:50:33
